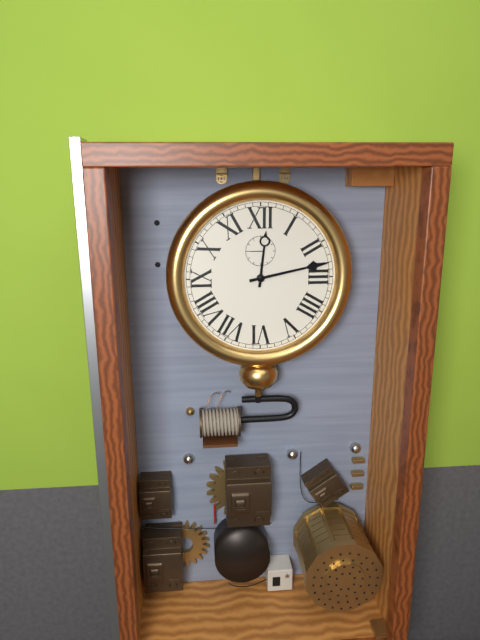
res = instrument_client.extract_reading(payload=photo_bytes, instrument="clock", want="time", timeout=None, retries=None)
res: 12:13
